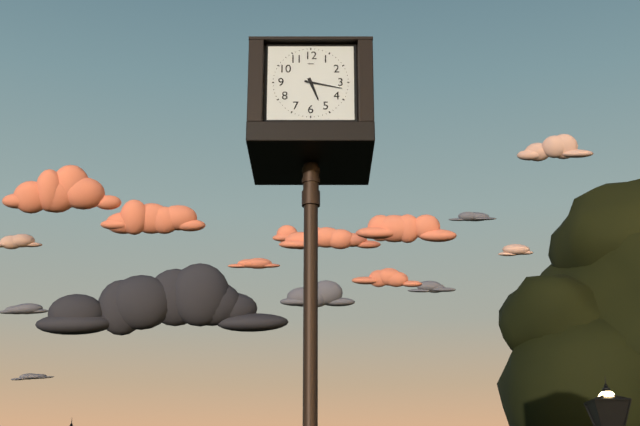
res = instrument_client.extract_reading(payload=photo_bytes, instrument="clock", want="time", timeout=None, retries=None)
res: 5:17
